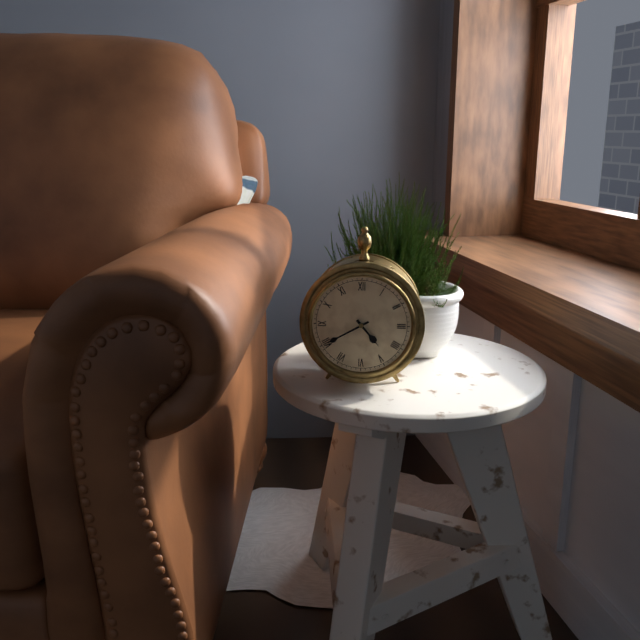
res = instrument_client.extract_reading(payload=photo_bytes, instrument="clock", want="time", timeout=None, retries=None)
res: 4:40
